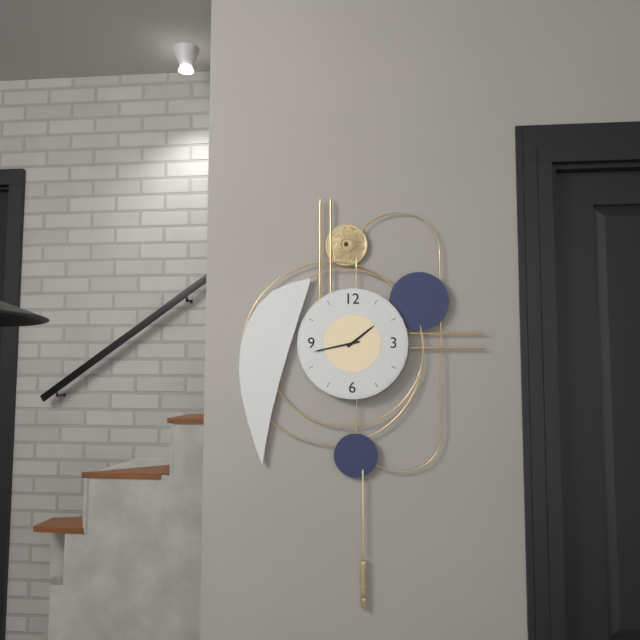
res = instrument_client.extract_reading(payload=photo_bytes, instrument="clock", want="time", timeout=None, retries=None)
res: 1:43
